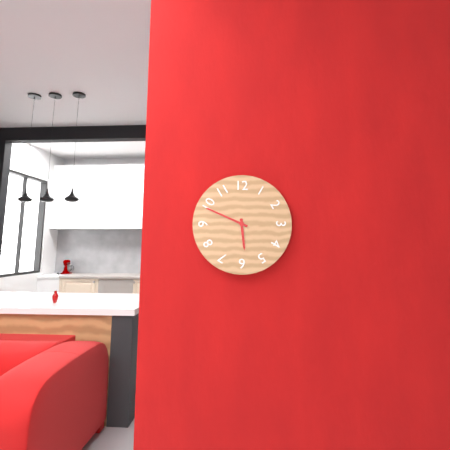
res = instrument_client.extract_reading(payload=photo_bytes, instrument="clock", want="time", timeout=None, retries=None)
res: 5:49
